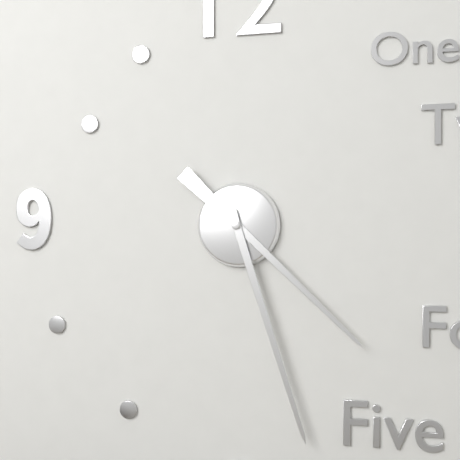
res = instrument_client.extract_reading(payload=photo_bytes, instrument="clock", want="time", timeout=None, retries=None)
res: 4:27
